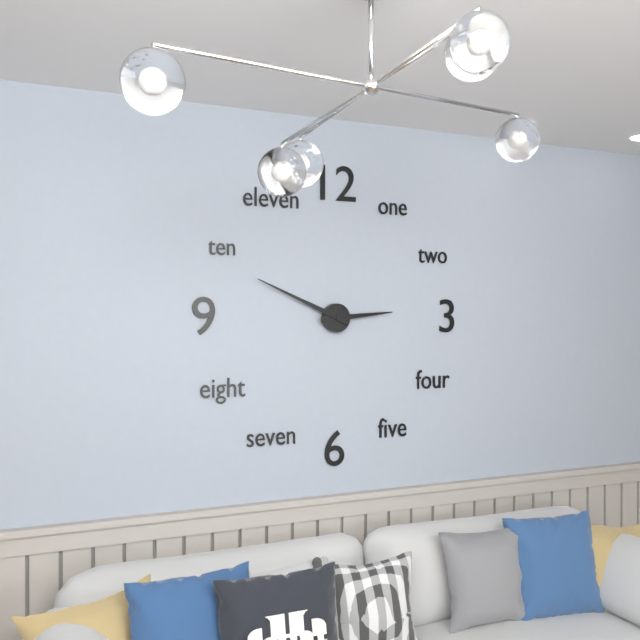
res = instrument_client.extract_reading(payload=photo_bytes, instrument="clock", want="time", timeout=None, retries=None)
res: 2:49
